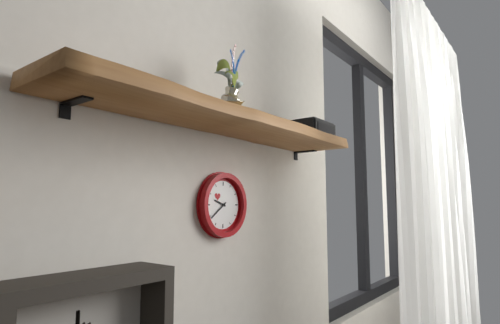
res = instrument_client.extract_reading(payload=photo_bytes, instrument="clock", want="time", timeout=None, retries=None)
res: 9:39
